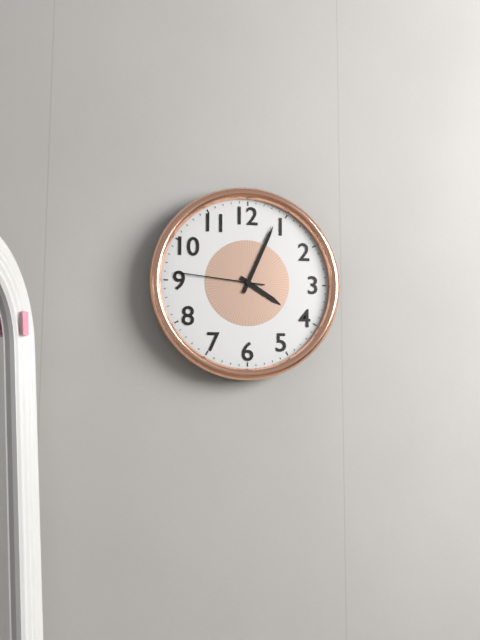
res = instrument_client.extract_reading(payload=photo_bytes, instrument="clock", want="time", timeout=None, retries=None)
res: 4:04:46
